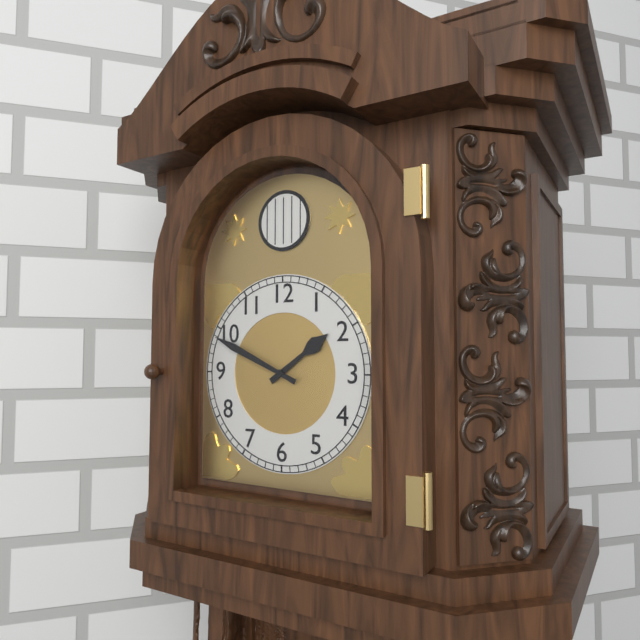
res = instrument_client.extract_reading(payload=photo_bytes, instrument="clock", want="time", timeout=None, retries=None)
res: 1:49
